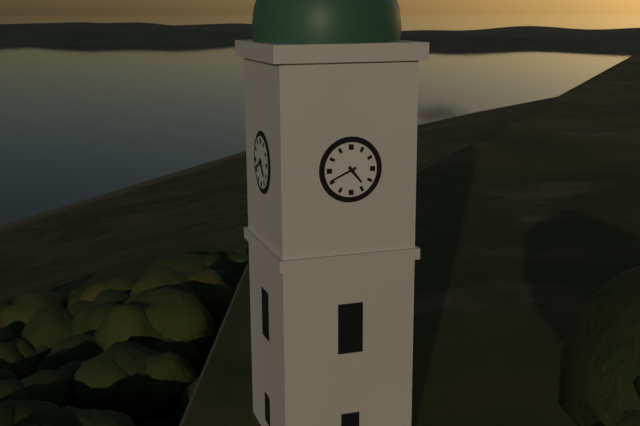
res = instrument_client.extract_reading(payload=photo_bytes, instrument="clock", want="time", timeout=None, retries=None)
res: 4:41
